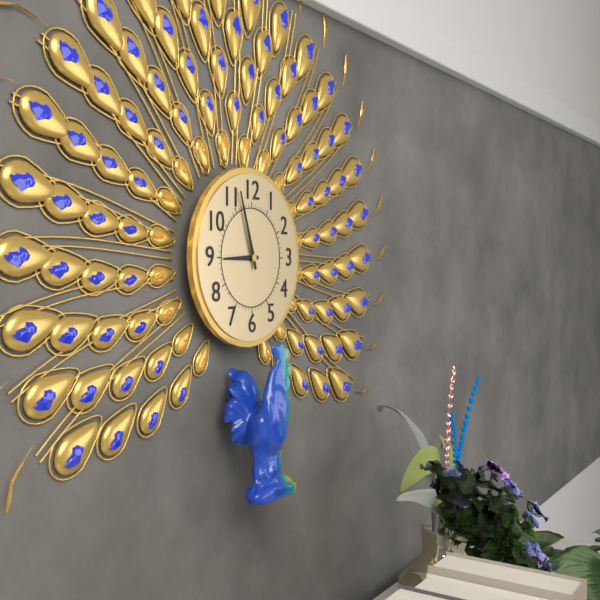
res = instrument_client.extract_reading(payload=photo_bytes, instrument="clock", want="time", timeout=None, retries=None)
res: 8:57
